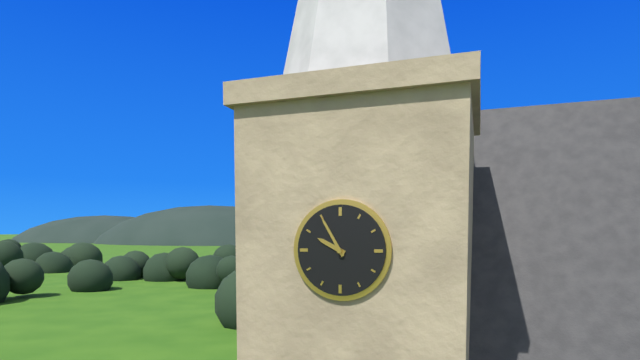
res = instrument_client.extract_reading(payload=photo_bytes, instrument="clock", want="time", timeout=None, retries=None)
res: 9:55
